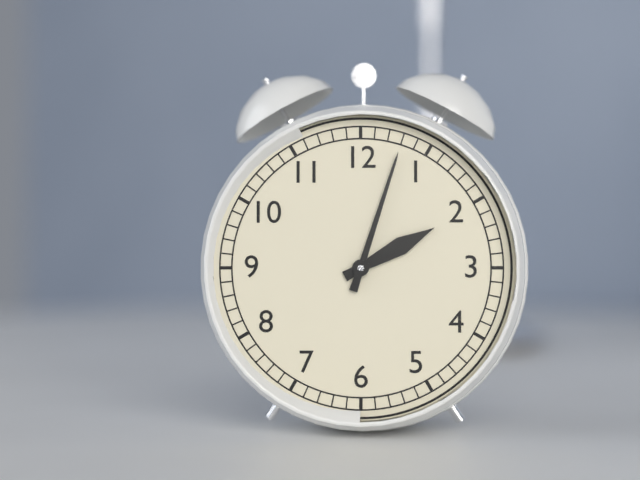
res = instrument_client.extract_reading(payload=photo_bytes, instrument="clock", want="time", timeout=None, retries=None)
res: 2:03
